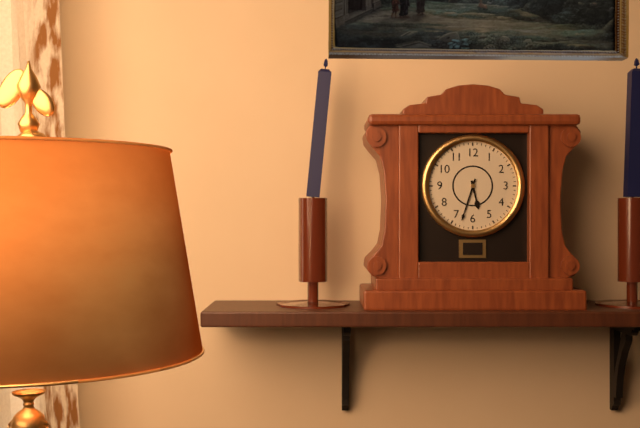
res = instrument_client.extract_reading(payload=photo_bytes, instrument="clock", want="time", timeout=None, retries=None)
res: 5:33
